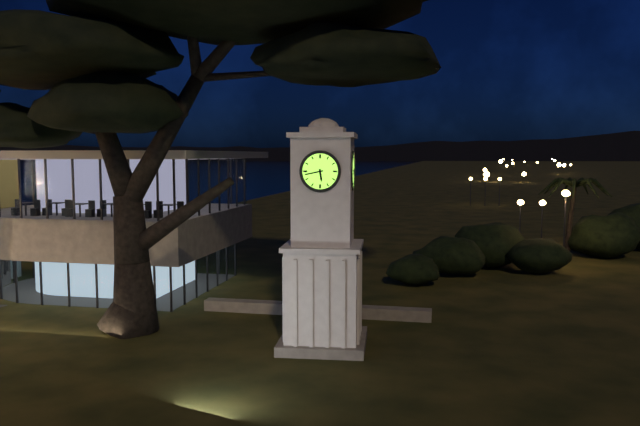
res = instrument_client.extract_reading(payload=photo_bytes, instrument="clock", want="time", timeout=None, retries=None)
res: 5:43
